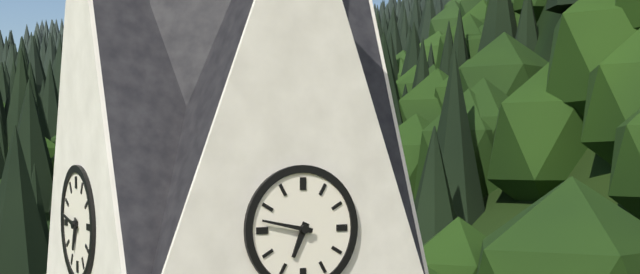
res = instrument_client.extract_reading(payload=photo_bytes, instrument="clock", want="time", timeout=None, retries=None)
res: 6:47
